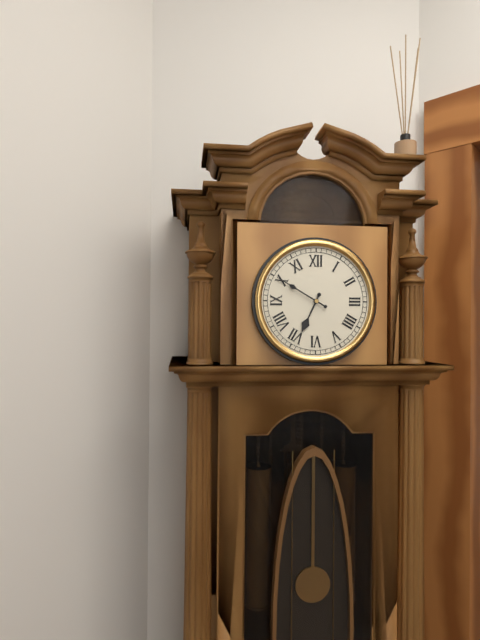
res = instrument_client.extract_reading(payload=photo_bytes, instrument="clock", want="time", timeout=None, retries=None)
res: 6:50
